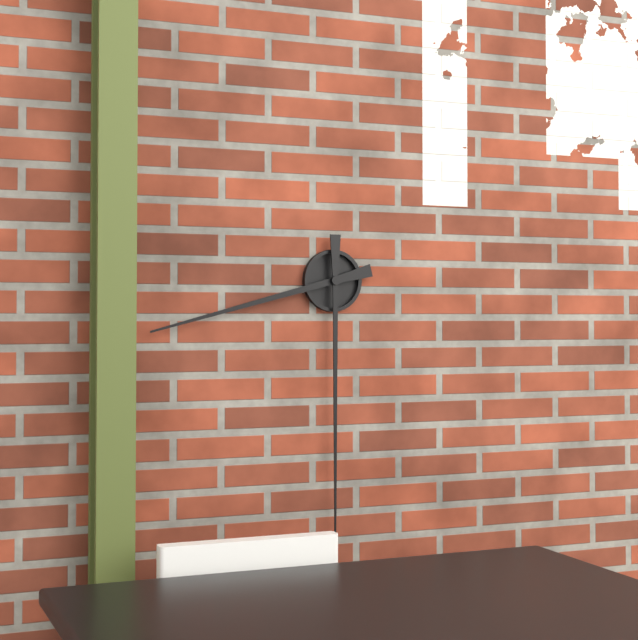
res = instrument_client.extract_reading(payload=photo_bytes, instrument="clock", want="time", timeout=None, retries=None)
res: 8:30
